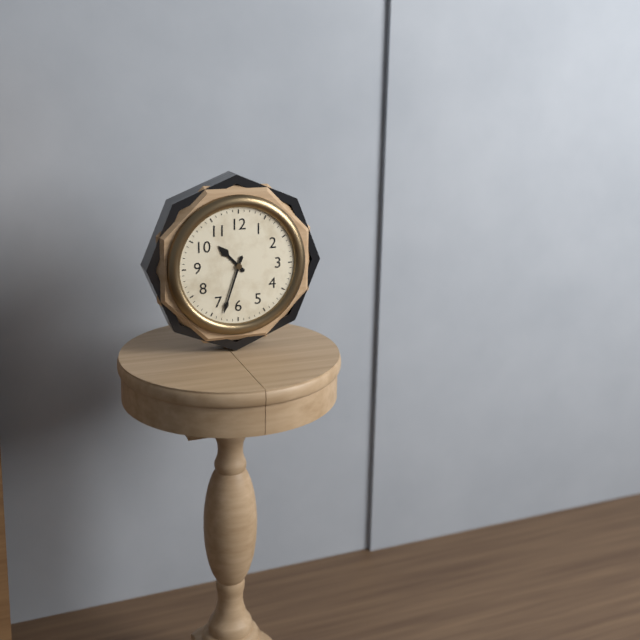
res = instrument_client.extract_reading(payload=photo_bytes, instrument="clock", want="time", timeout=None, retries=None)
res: 10:33
